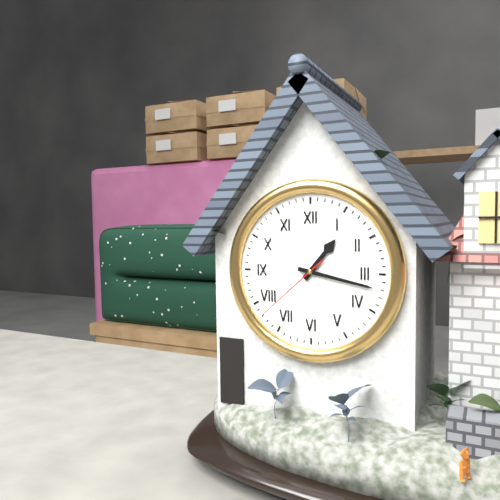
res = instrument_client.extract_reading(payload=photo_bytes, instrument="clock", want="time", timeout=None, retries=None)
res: 1:17:38
